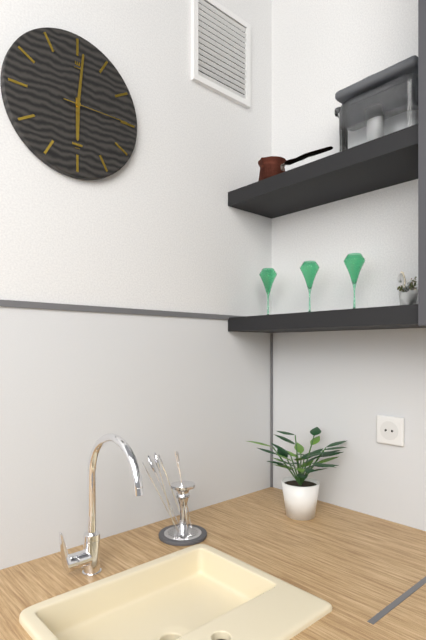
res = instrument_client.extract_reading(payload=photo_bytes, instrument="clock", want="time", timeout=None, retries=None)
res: 6:01:15
